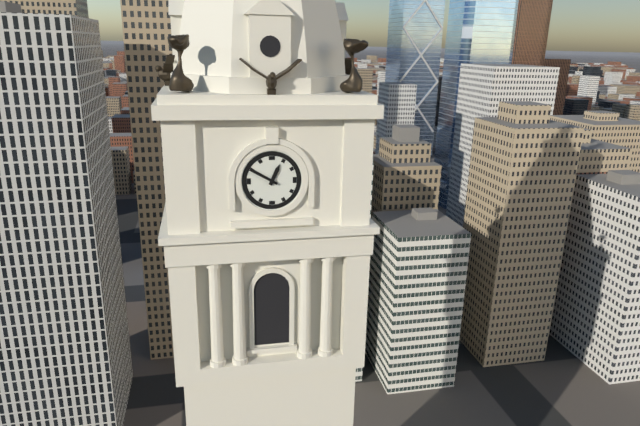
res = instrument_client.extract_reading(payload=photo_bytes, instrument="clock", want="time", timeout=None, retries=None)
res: 12:50
